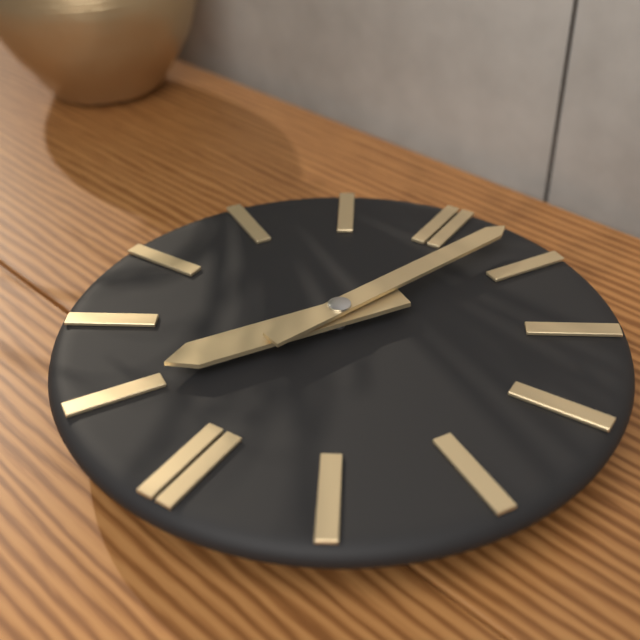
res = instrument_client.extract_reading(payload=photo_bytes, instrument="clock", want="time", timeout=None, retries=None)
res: 7:03
